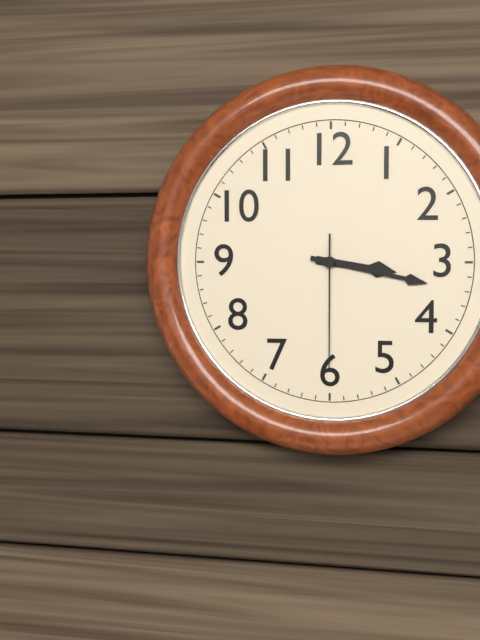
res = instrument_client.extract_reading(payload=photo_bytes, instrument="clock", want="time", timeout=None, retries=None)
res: 3:17:30
